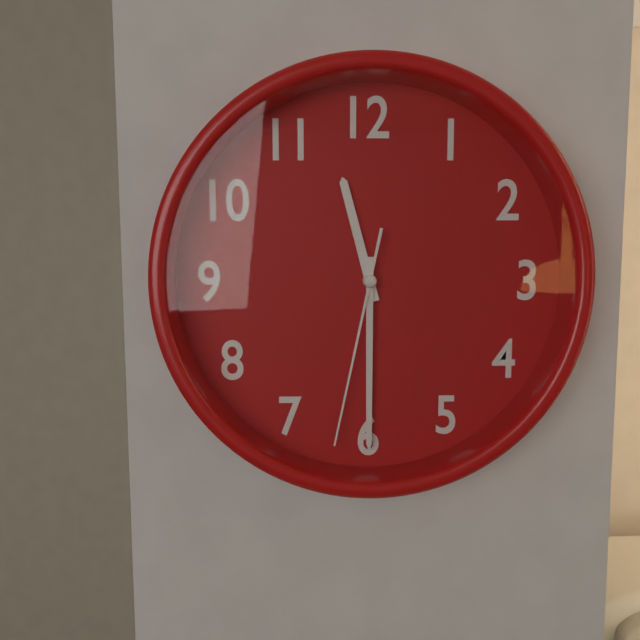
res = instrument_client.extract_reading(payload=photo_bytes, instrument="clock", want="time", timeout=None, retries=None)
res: 11:30:32
